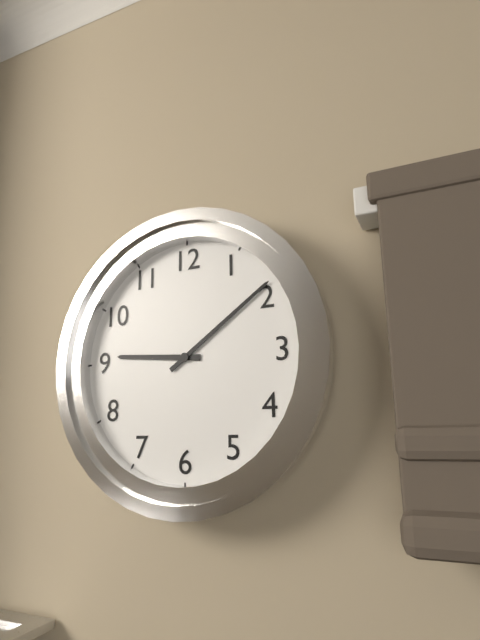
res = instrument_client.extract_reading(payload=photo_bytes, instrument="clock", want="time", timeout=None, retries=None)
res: 9:09
